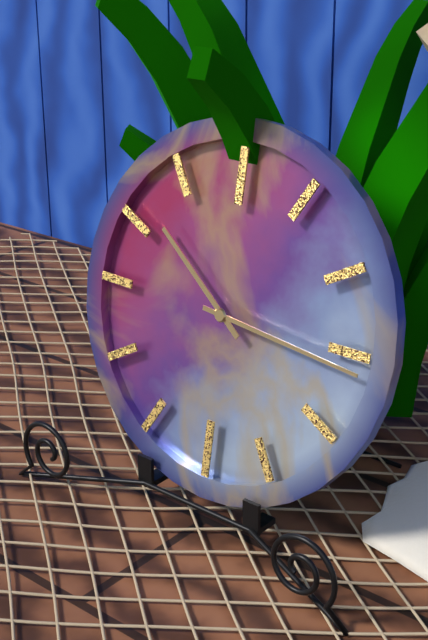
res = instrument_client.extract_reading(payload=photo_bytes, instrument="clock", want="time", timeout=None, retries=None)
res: 10:16
